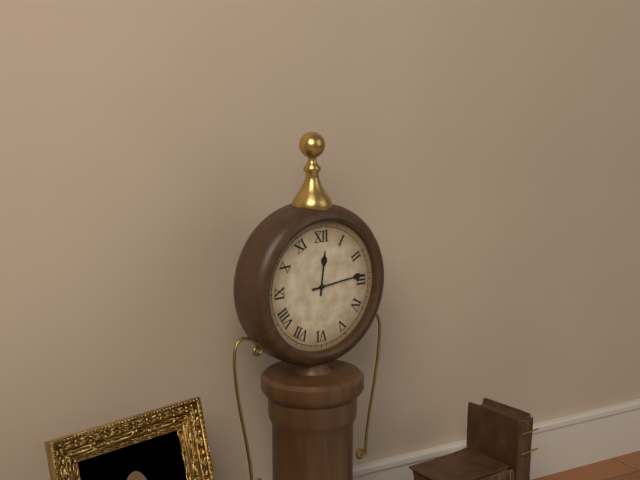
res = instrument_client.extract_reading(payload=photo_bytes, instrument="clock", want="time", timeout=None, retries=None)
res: 12:14
